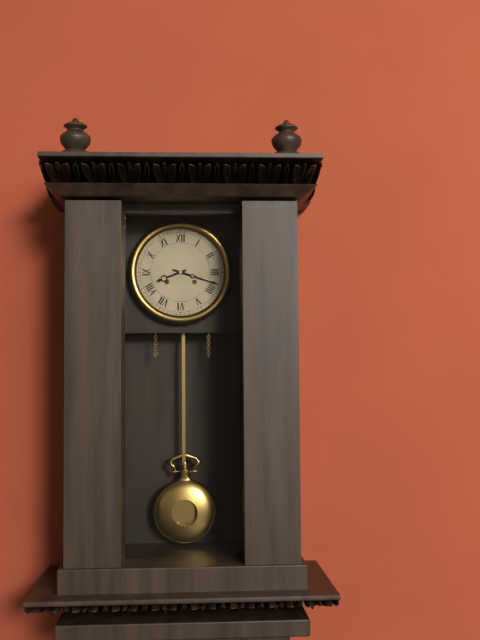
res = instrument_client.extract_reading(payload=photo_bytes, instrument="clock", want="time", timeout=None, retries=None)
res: 8:18
